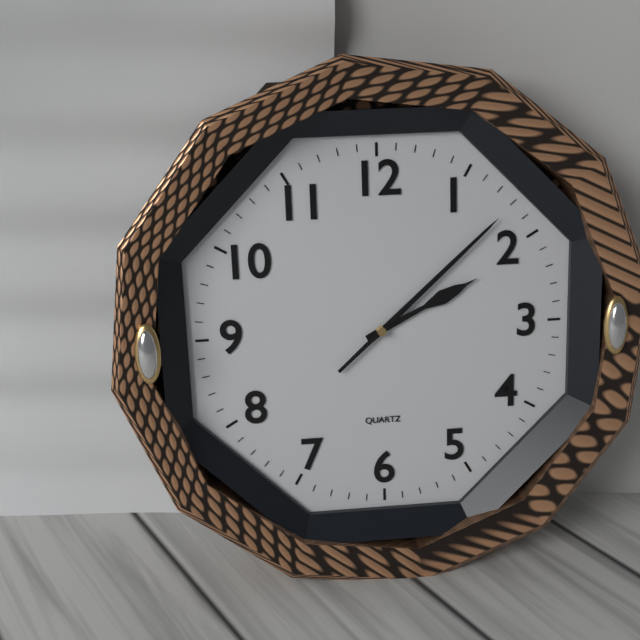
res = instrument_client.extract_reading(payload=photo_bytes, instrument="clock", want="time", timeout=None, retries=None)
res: 2:08
